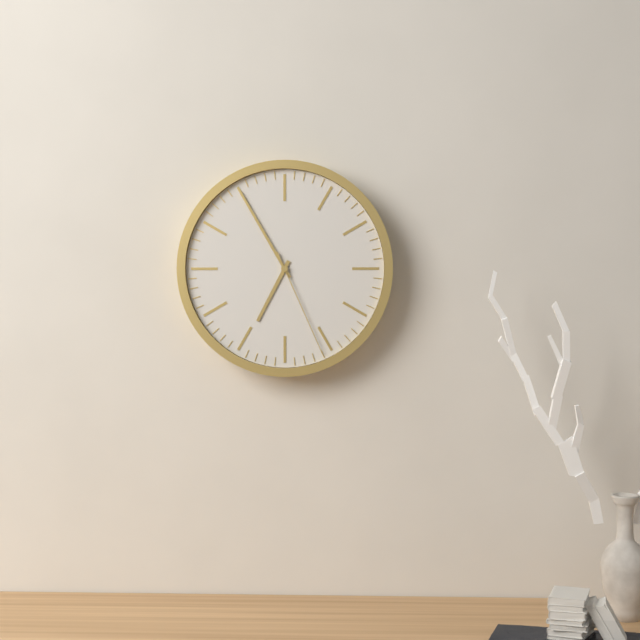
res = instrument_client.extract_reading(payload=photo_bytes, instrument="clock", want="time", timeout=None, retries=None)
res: 6:55:26
